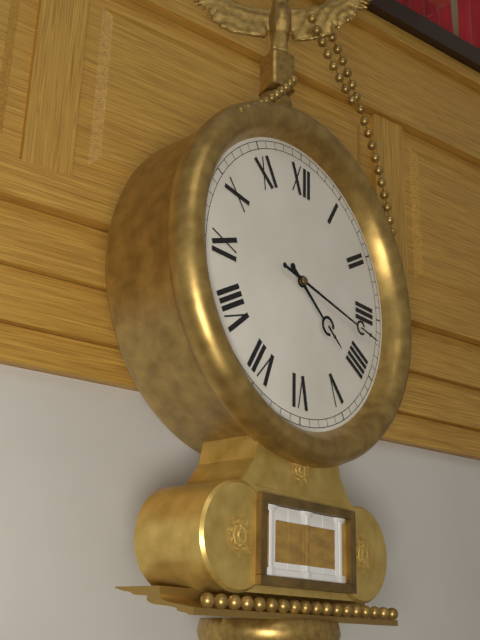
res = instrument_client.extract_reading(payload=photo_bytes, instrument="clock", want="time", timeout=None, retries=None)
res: 4:17
